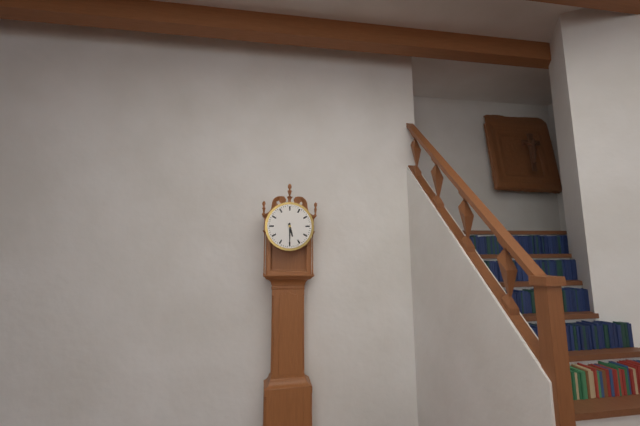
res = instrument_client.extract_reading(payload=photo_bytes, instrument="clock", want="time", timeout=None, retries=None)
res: 5:30
